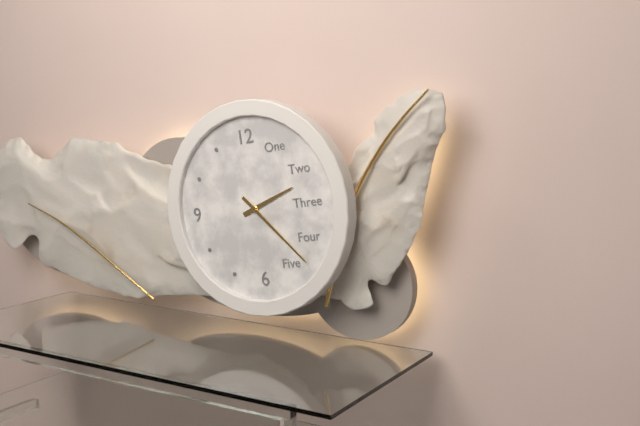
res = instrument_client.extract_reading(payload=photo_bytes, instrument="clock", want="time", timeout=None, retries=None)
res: 2:23
